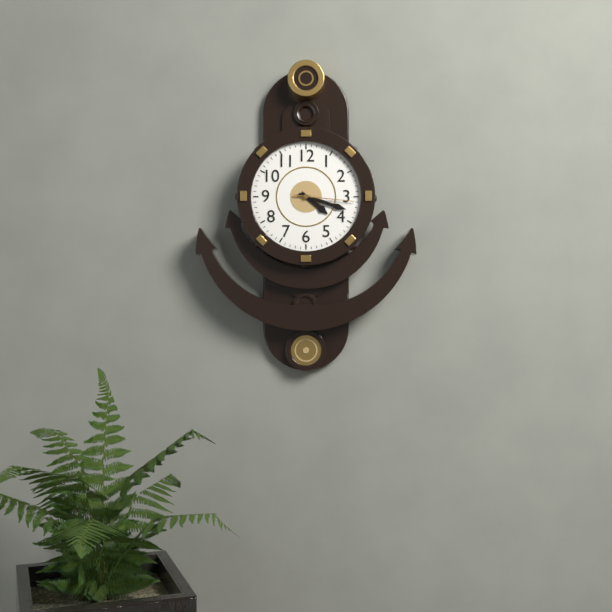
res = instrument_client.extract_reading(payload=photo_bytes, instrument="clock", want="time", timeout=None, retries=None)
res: 4:18:16
